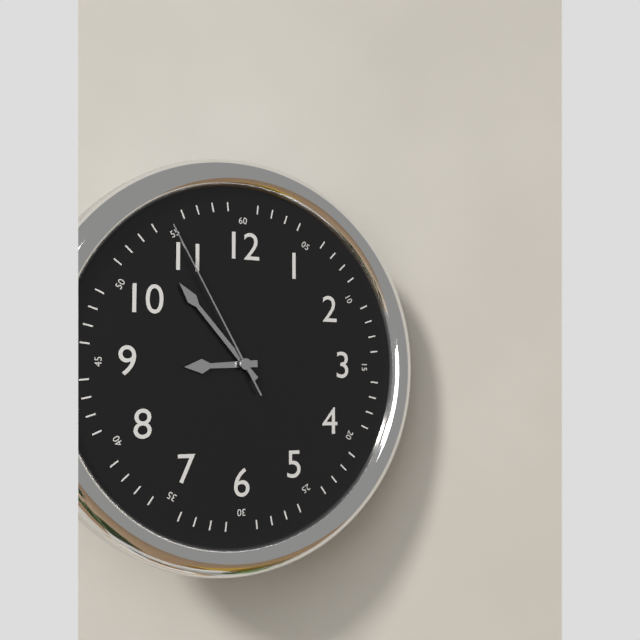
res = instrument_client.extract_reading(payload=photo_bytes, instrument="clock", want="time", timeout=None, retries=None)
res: 8:53:55
